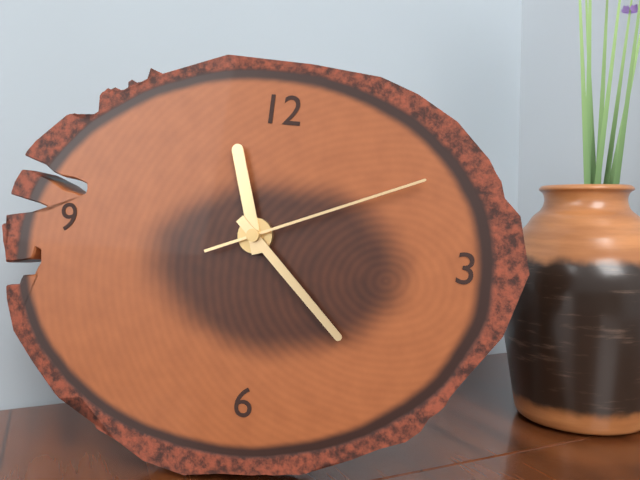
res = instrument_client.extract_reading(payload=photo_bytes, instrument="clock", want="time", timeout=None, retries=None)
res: 11:22:11
